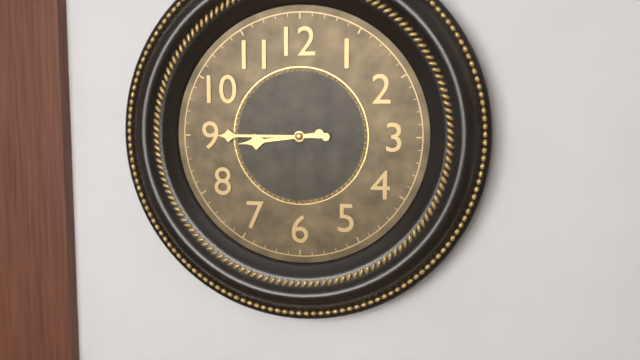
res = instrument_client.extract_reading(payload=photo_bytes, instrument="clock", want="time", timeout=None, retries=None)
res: 8:45
